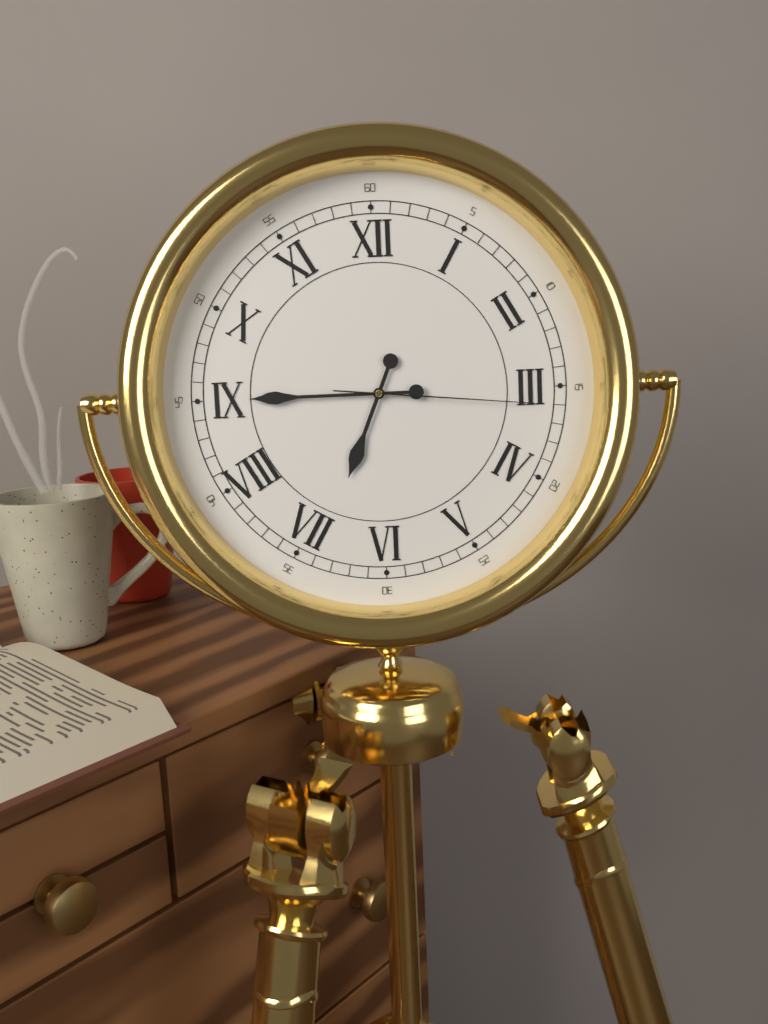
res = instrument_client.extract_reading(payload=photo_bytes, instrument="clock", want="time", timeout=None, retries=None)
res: 6:45:16
